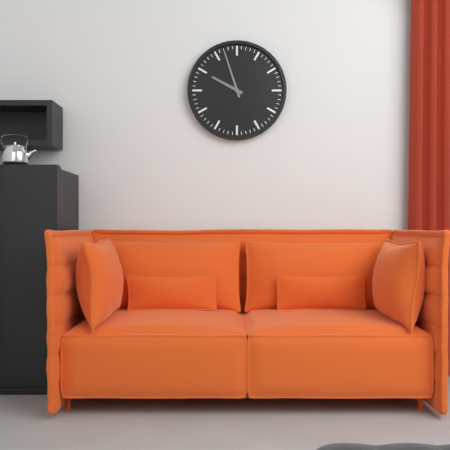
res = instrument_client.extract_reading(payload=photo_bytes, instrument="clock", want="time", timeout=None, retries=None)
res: 9:57
